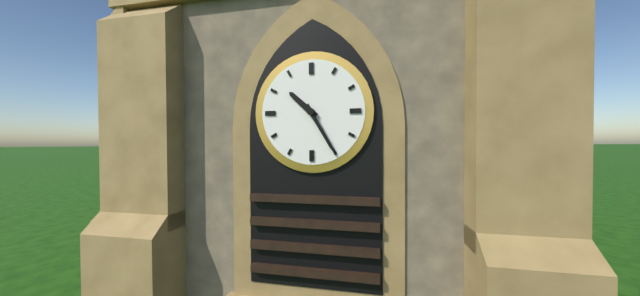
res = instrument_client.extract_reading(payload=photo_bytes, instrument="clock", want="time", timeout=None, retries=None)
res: 10:25
